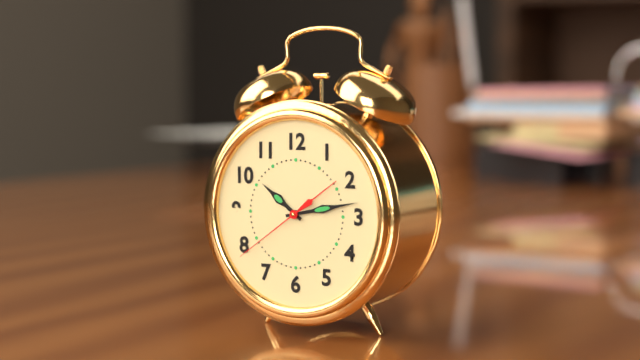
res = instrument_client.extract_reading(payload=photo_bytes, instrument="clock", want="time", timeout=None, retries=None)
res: 10:13:39
